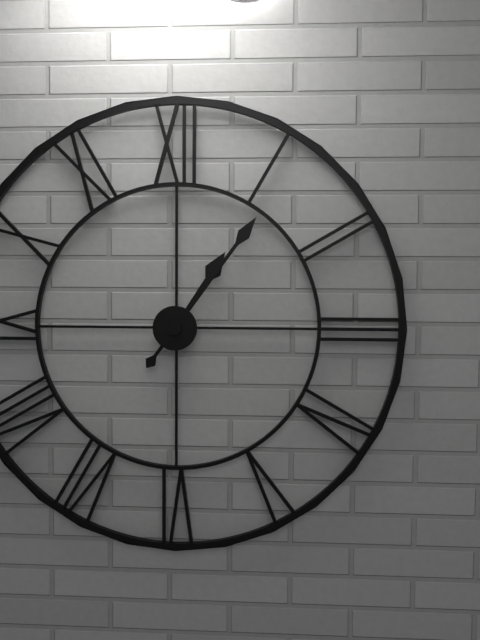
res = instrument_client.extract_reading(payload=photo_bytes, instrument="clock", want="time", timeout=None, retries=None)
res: 1:06
